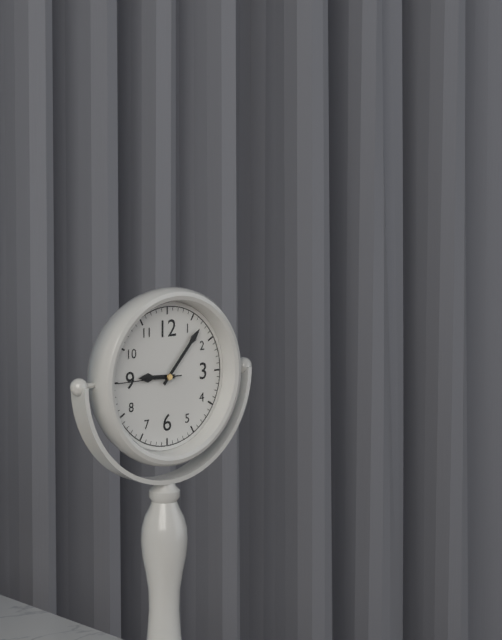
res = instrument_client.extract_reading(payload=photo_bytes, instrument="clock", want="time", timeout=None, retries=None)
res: 9:07:45
